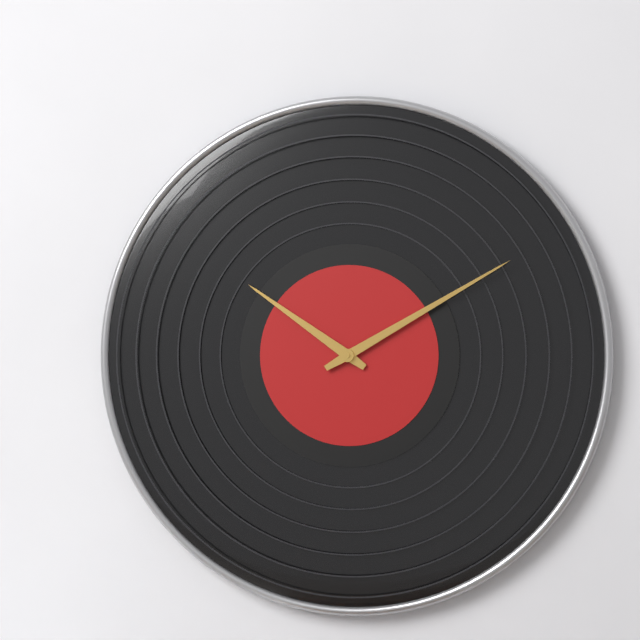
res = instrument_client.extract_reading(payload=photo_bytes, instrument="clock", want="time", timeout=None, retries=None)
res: 10:10
